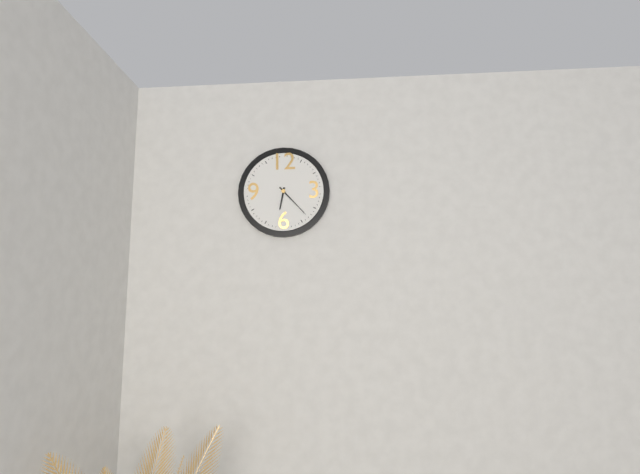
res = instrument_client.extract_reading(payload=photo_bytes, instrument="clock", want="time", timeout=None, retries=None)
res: 6:23
